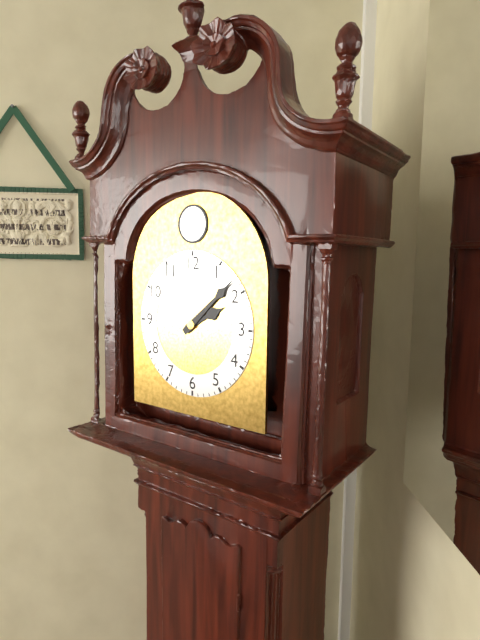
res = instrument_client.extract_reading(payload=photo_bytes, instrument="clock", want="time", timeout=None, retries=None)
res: 2:08
